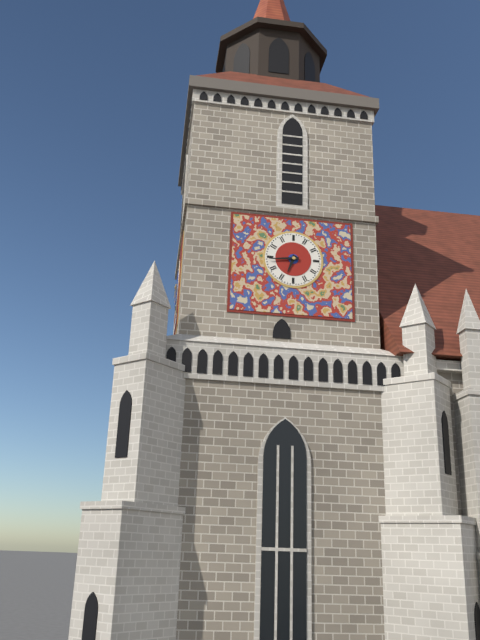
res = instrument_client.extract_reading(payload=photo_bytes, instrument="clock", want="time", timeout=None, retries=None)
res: 6:44
